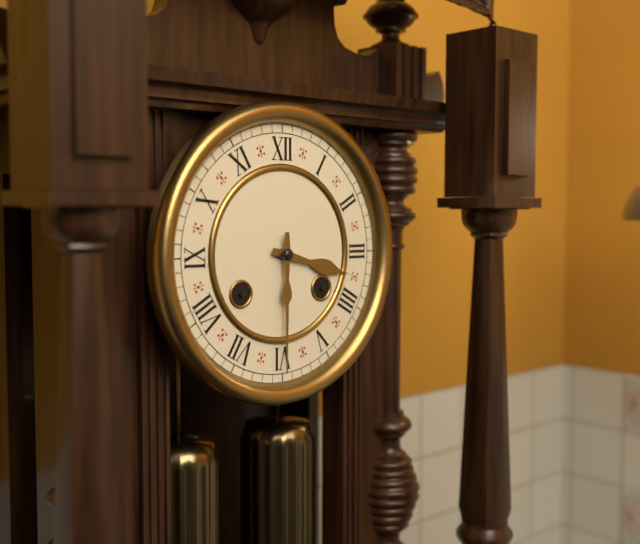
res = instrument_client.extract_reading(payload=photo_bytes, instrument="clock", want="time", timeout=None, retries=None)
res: 3:30
